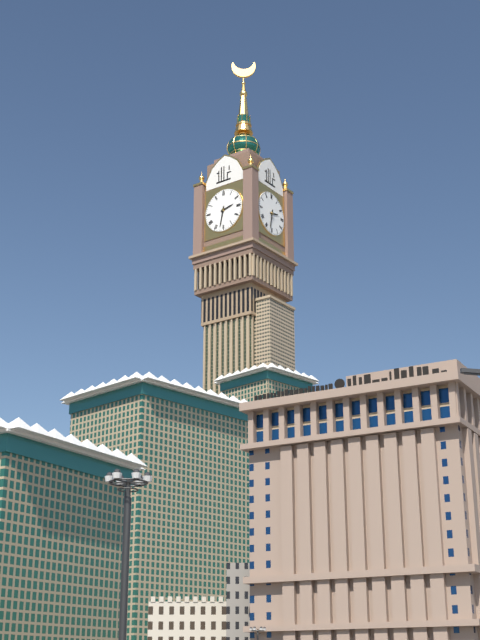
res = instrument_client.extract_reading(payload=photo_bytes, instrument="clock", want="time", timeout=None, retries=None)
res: 2:32
